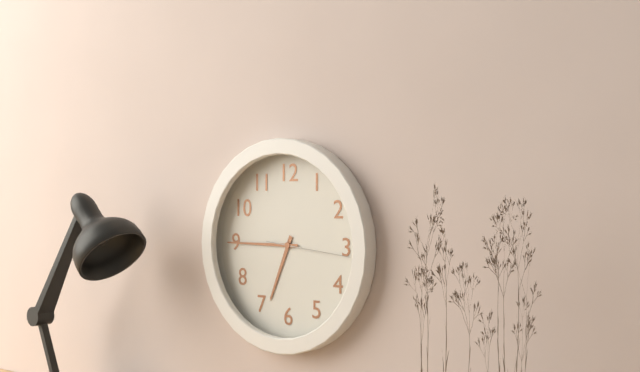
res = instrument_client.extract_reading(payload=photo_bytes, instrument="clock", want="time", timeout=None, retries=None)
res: 6:45:16
